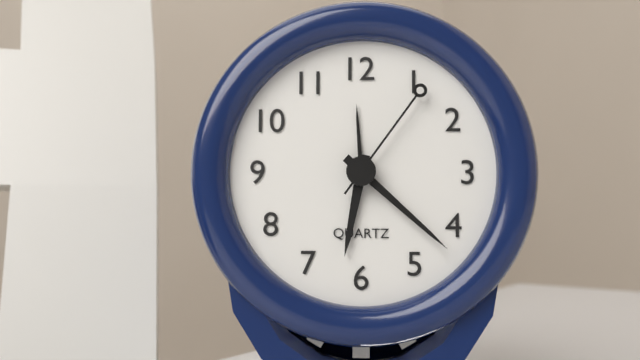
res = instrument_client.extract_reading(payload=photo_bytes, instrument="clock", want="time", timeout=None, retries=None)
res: 6:22:06
